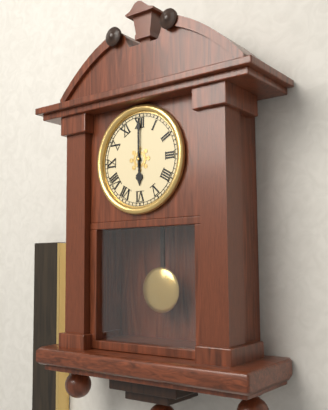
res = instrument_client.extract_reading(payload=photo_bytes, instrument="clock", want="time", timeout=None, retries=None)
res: 6:00
